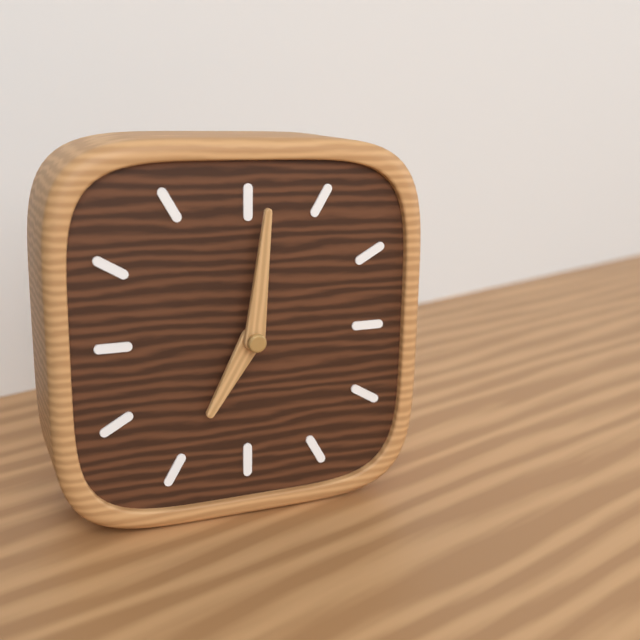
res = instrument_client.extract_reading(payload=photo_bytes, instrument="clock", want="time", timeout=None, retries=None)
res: 7:01
